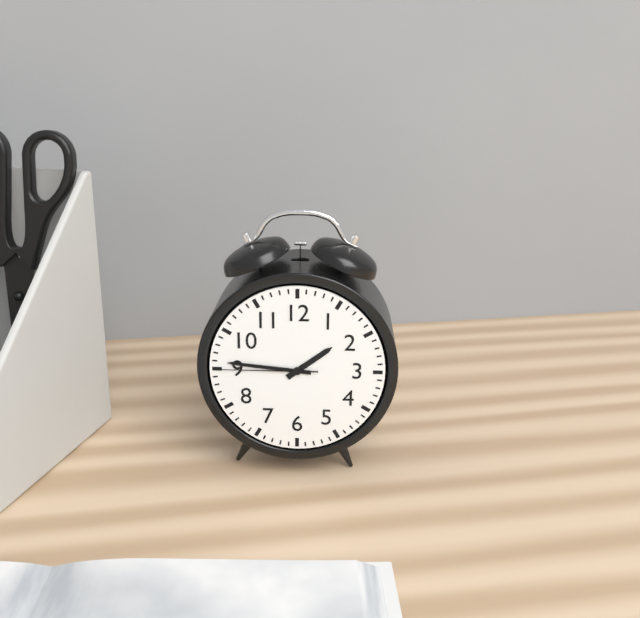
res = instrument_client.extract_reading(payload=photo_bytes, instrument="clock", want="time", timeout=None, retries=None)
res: 1:46:45
